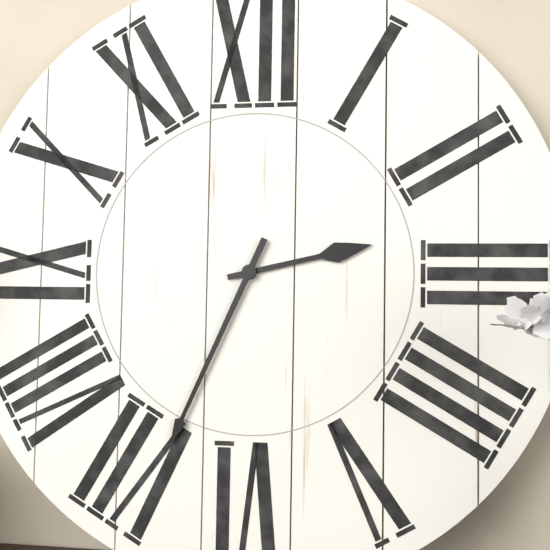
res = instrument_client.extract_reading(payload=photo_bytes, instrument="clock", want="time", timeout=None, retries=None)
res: 2:34
